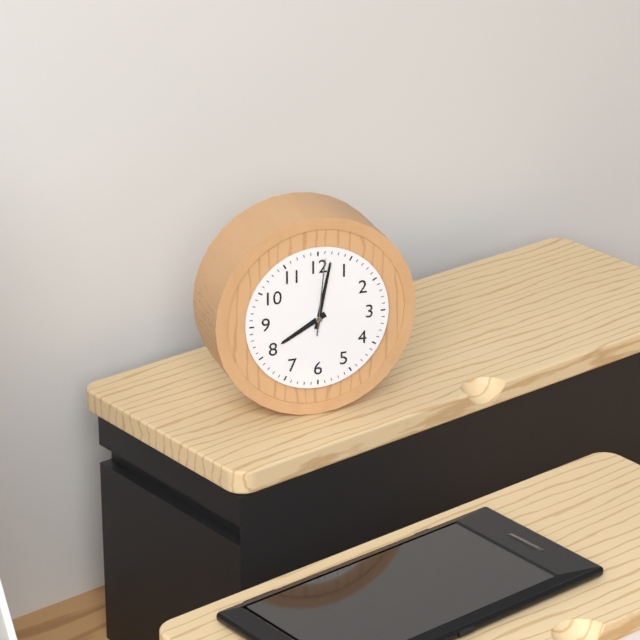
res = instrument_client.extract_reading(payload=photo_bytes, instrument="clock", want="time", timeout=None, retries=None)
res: 8:02:01
